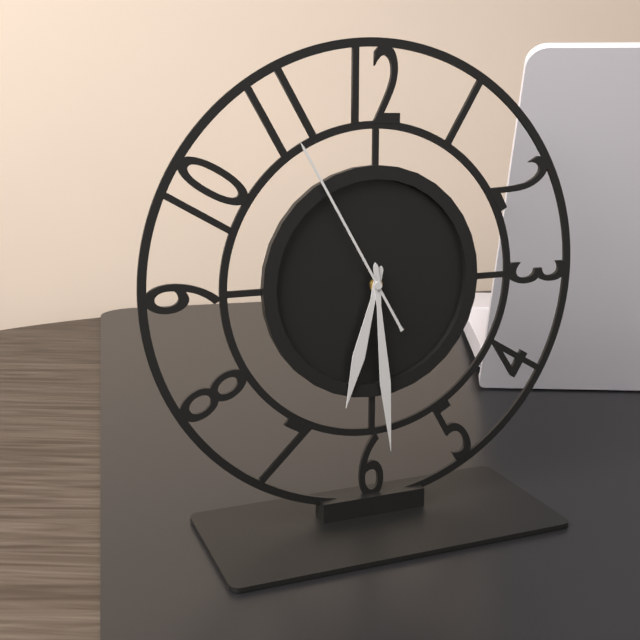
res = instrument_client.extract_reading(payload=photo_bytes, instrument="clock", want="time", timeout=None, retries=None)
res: 6:29:55
